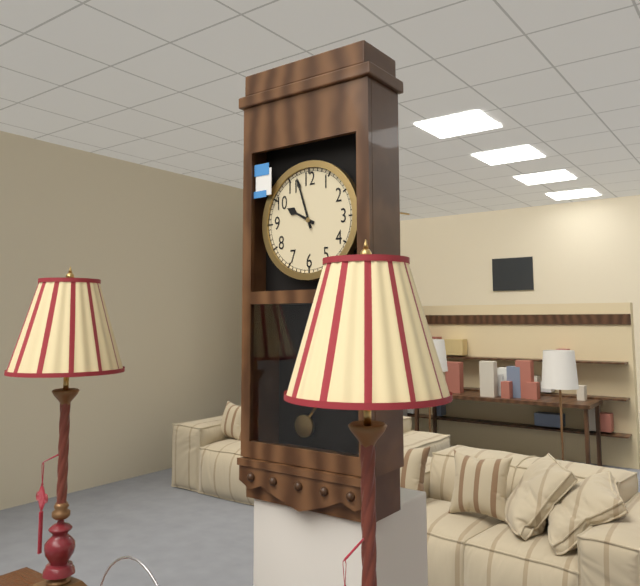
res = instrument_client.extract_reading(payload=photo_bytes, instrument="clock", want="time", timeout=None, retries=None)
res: 9:57
